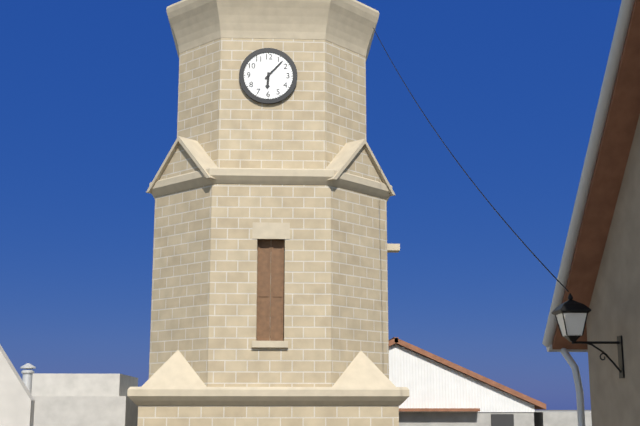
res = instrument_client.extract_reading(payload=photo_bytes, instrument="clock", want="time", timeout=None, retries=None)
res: 6:07
